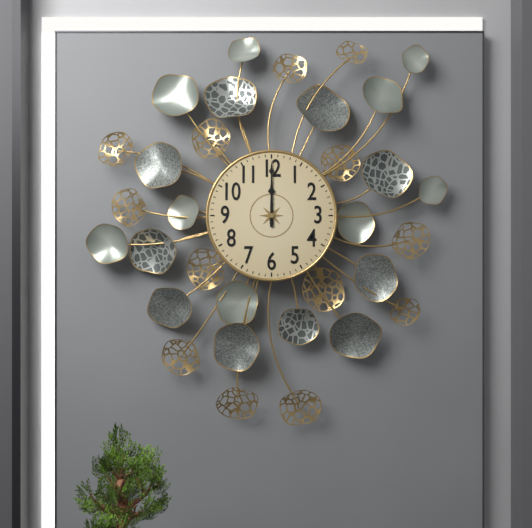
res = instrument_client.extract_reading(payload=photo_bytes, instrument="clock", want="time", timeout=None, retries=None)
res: 12:00
